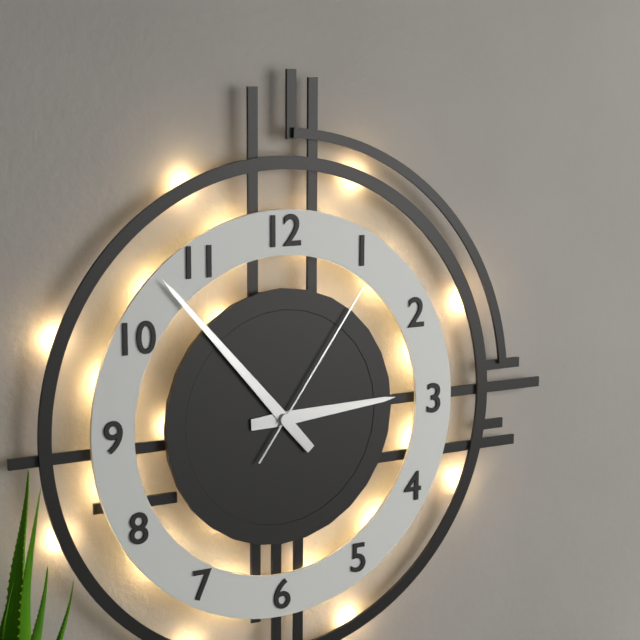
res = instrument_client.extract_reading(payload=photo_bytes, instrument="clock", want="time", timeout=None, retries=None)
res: 2:53:06
